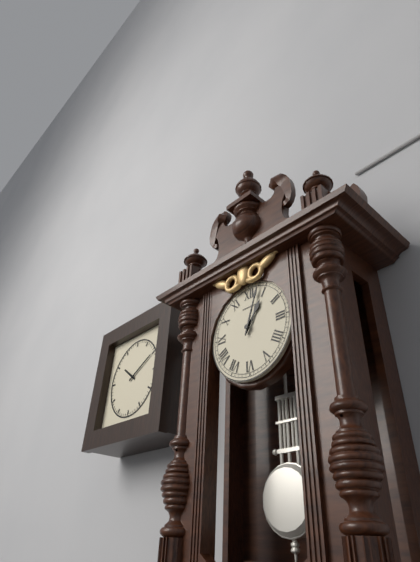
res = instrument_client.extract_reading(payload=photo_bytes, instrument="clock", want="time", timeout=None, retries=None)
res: 1:03
